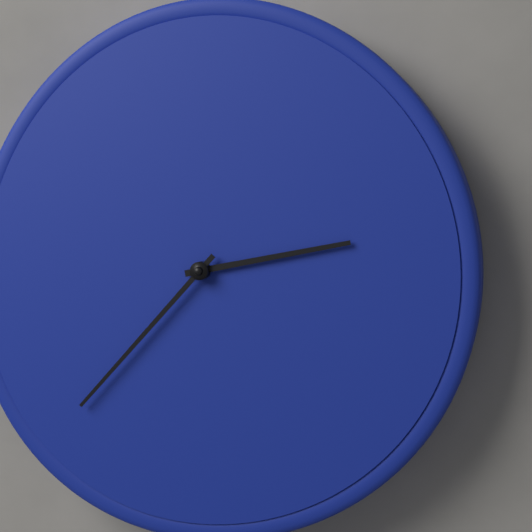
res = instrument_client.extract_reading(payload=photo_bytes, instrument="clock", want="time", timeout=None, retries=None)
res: 2:37
